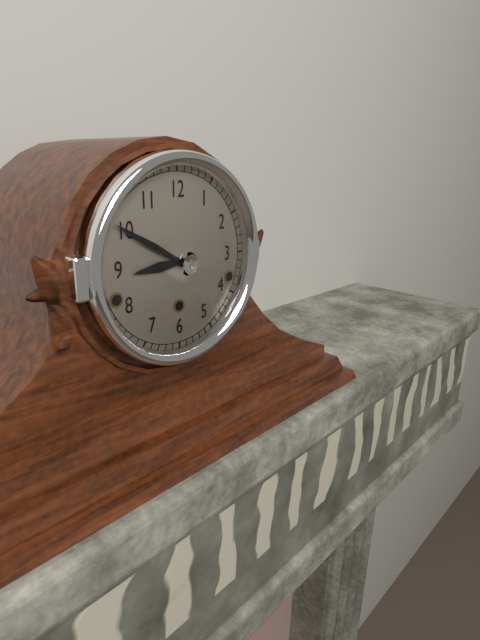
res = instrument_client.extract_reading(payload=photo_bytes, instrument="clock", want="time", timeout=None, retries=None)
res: 8:50
